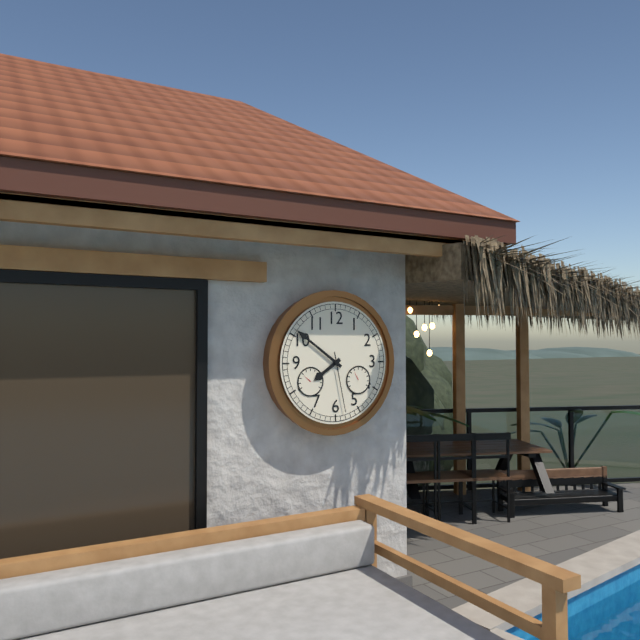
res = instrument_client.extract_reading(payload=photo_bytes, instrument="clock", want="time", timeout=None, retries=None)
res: 7:51:28
